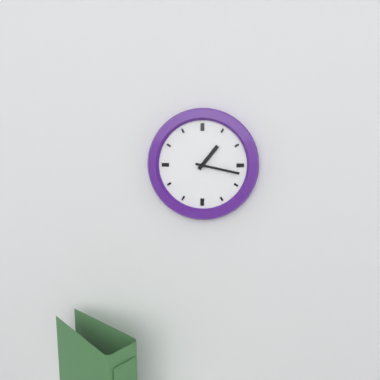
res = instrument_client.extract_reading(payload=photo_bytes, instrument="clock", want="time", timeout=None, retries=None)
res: 1:17
